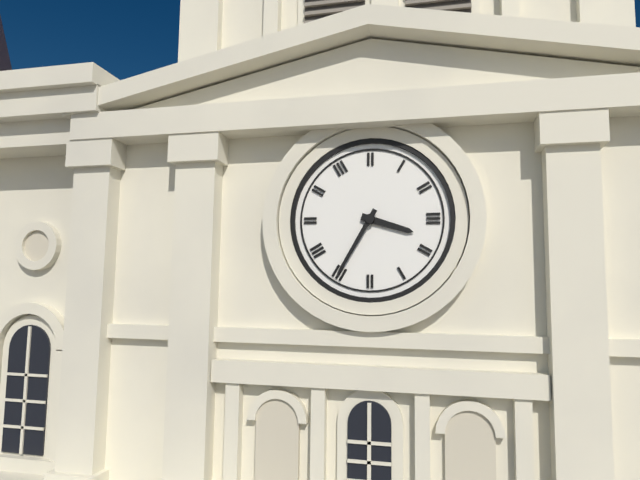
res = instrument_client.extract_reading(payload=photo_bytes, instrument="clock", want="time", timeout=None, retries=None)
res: 3:35
